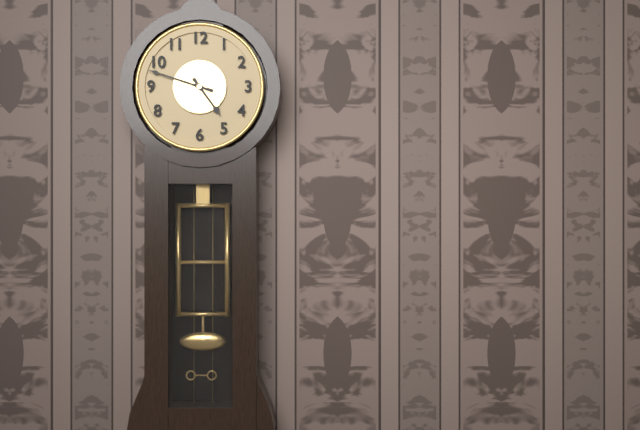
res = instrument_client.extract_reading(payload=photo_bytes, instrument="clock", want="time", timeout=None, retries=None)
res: 4:48
